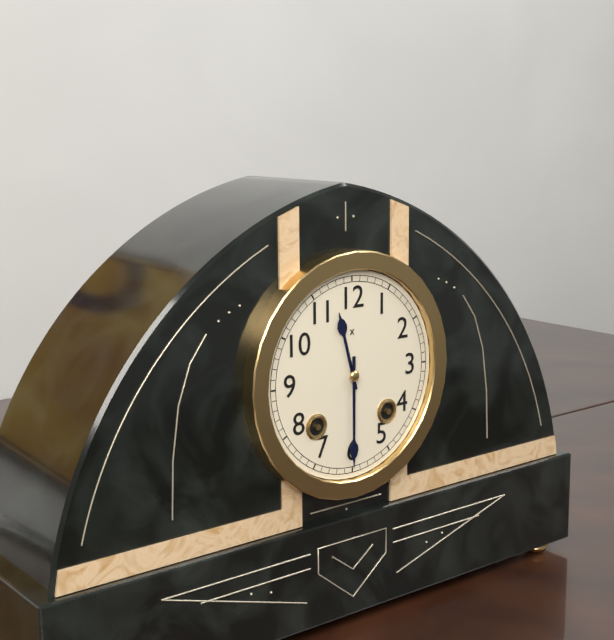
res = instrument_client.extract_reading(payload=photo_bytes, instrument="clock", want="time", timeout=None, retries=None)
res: 11:30
